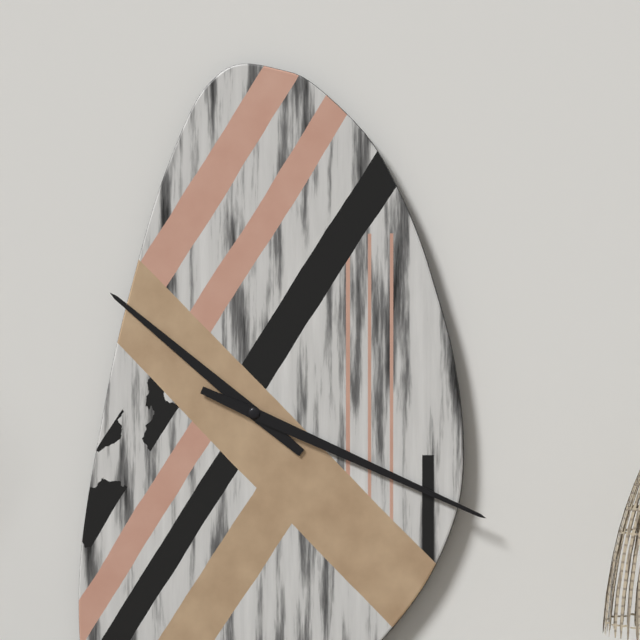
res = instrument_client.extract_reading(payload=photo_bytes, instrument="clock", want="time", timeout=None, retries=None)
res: 10:19
